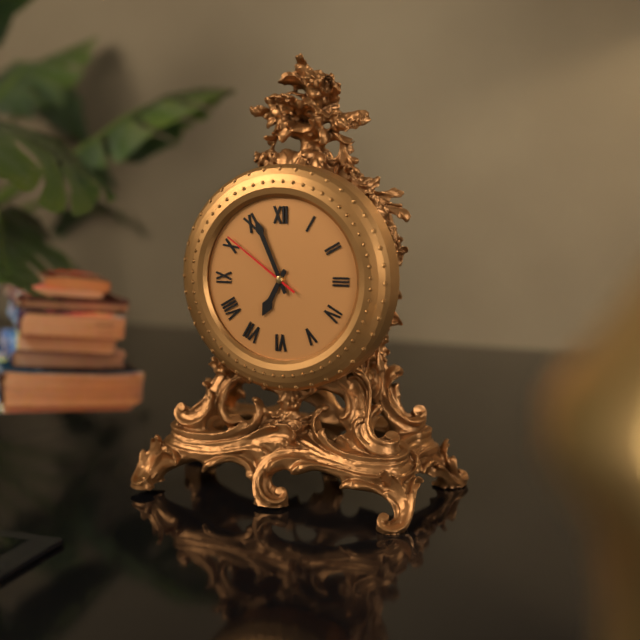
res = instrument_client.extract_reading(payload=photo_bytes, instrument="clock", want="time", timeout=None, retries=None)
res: 6:56:51
